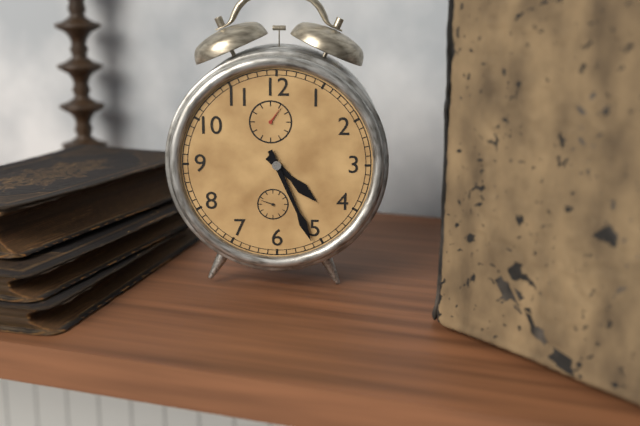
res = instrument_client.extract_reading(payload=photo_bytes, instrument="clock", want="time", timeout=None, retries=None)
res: 4:26
